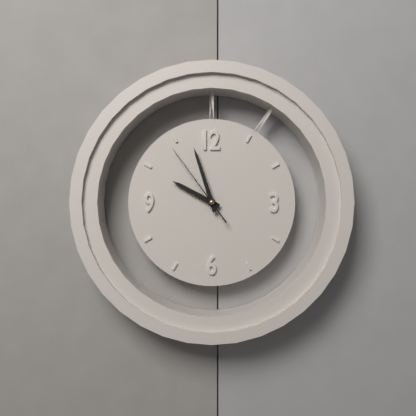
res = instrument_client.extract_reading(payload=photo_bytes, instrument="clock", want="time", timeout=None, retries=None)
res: 9:57:54
